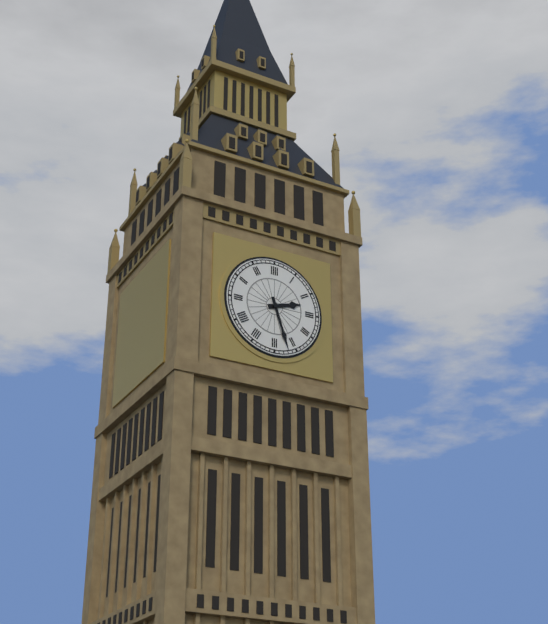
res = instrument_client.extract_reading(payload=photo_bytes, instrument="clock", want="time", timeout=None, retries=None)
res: 2:27
